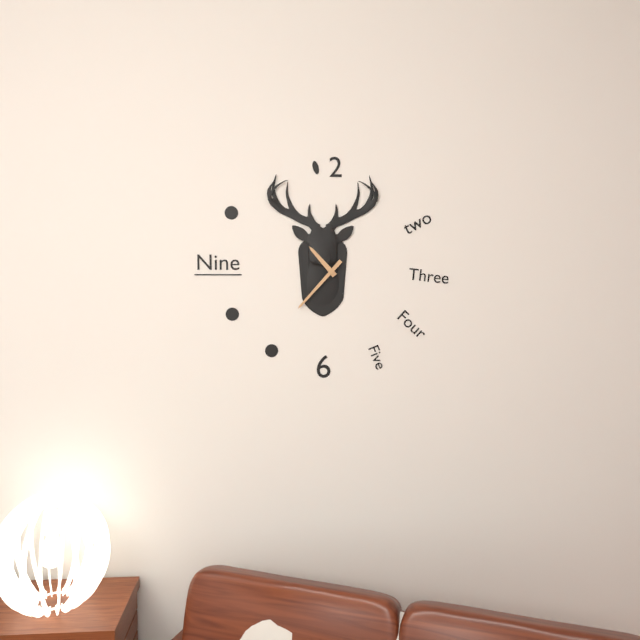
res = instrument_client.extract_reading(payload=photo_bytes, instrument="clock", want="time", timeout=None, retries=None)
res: 10:37
